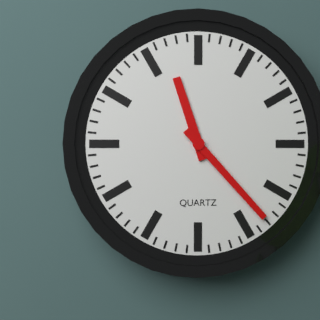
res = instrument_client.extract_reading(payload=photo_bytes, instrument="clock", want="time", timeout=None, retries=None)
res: 11:23
